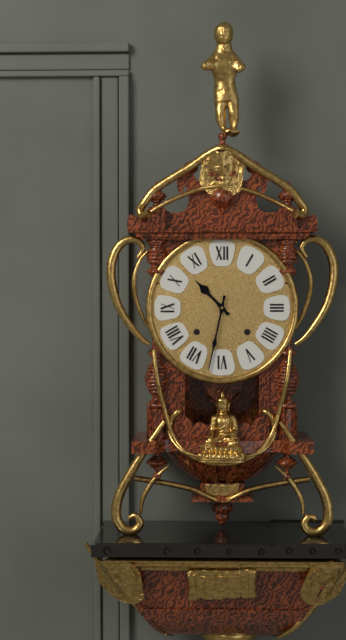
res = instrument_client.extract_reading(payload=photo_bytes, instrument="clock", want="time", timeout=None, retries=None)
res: 10:32
